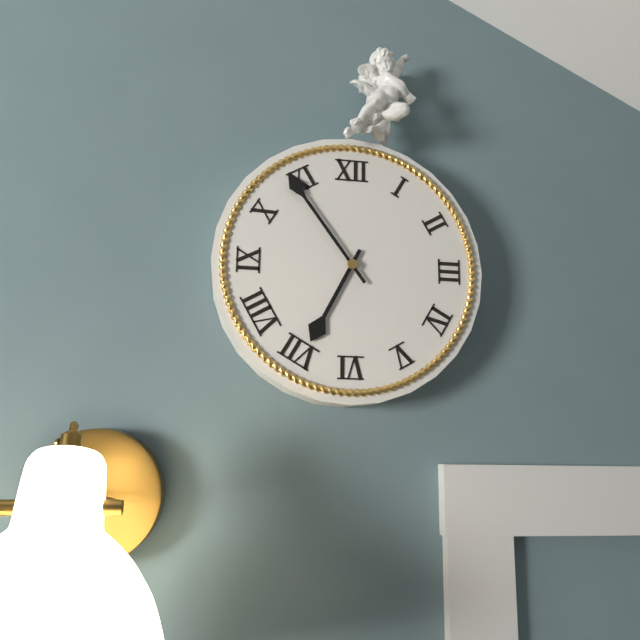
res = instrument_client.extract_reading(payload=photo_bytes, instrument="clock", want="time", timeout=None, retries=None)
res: 6:54
